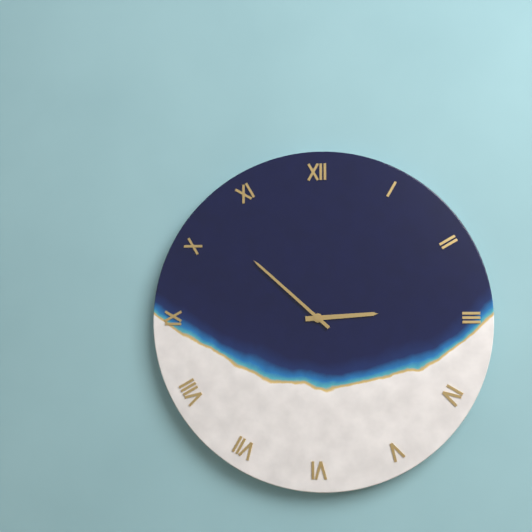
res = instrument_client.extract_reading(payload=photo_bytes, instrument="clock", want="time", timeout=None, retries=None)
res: 2:52
